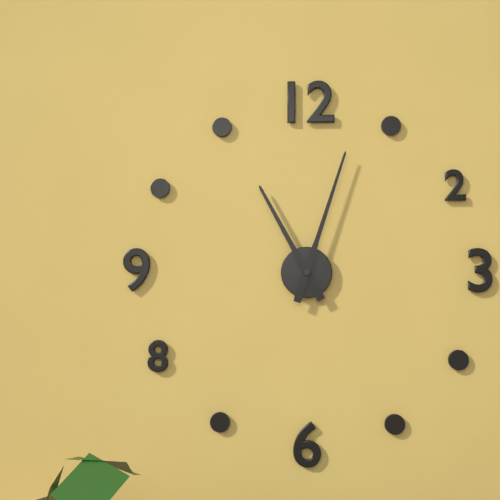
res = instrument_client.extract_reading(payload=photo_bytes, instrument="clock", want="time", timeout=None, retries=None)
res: 11:03
